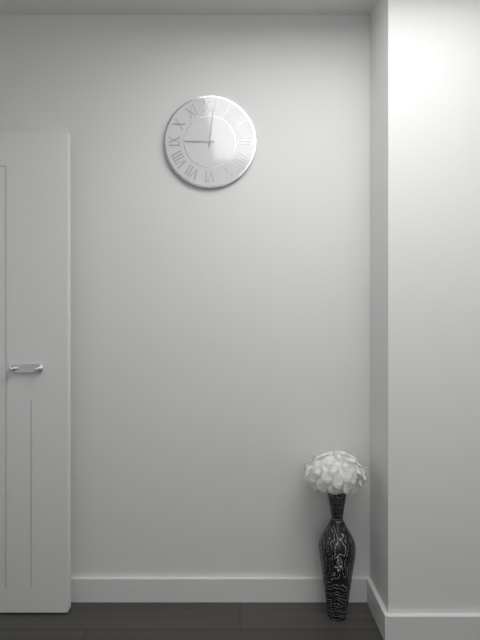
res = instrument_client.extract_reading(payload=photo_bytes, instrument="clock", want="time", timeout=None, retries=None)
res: 9:01
